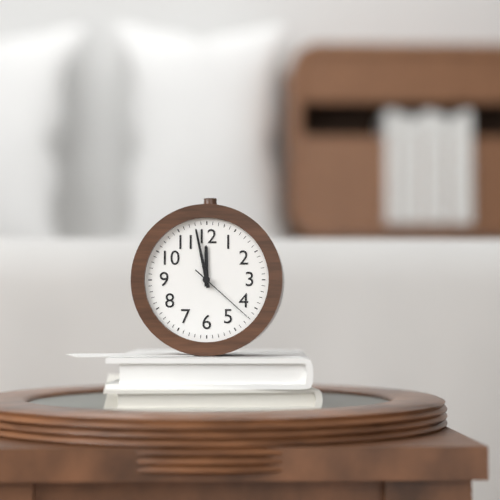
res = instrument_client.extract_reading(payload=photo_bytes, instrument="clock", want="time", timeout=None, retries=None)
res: 11:58:22
